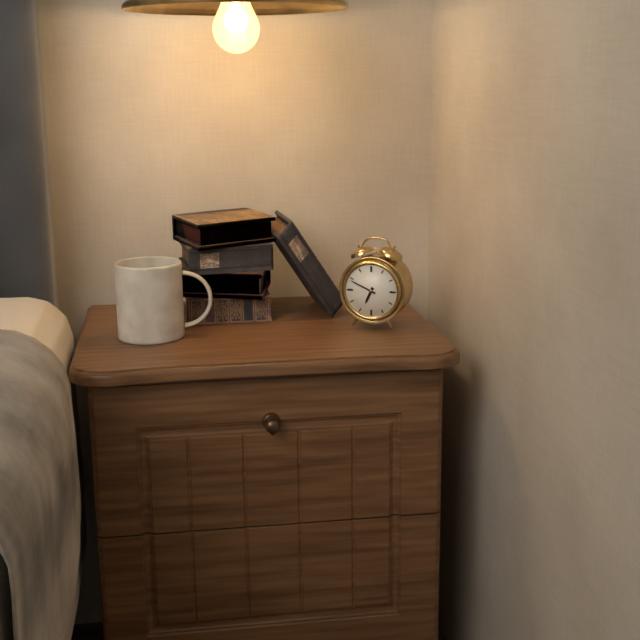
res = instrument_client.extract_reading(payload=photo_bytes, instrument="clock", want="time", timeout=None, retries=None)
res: 6:49
